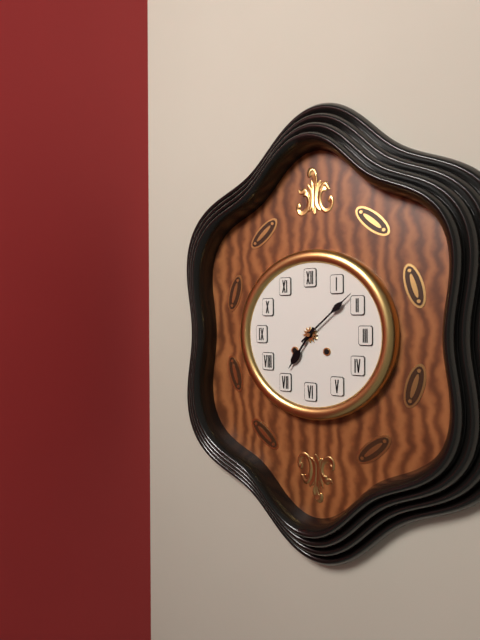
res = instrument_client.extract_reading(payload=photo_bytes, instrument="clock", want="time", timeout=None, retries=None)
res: 7:08
